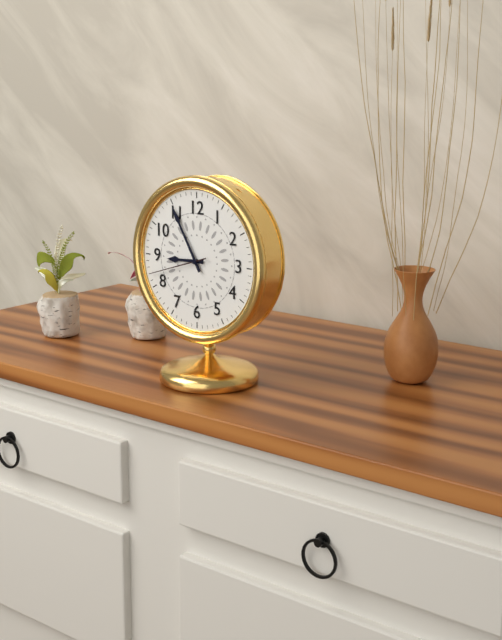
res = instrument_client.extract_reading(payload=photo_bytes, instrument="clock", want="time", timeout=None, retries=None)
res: 8:55:42
